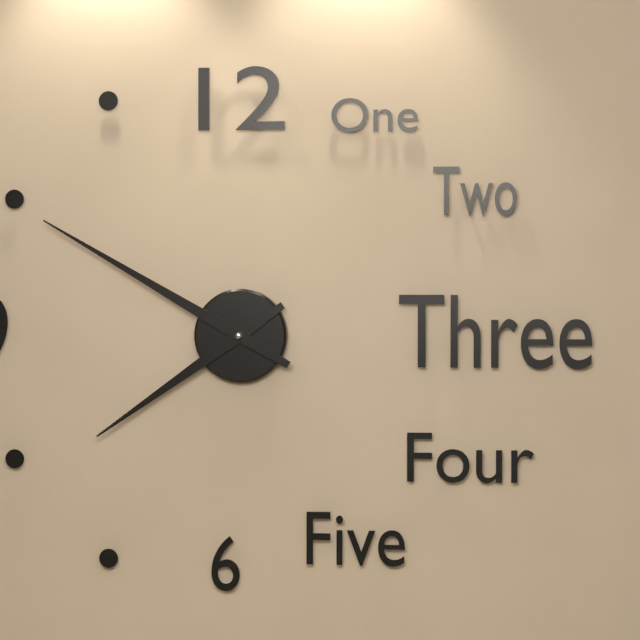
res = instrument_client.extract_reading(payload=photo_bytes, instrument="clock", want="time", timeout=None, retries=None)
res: 7:50
